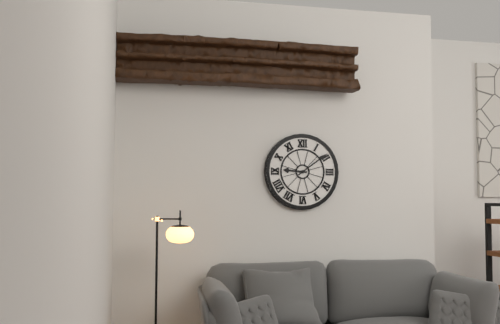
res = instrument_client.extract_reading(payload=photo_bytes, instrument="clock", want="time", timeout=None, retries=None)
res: 9:09
